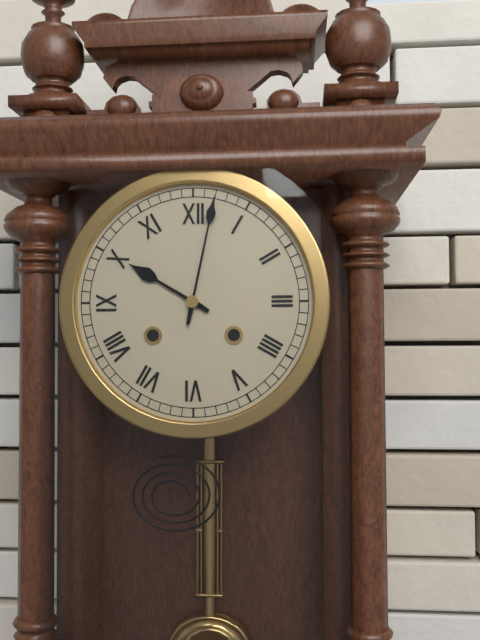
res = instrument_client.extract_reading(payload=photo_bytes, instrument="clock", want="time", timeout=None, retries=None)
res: 10:02
